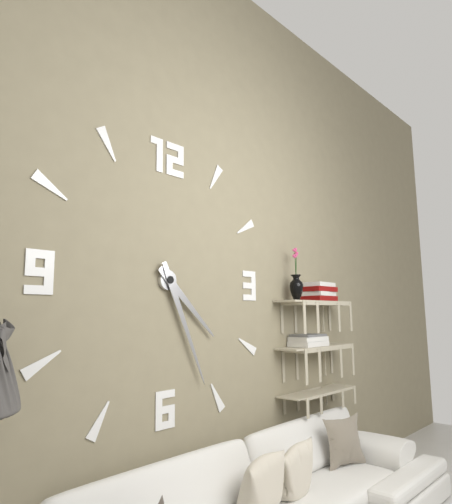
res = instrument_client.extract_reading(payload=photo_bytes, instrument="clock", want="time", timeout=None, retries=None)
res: 4:26
